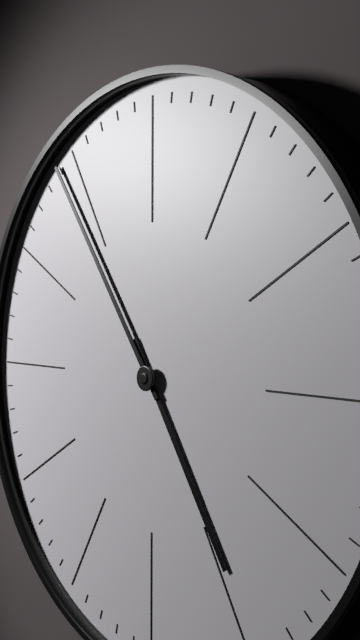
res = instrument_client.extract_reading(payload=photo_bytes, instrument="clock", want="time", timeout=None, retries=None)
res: 4:54
